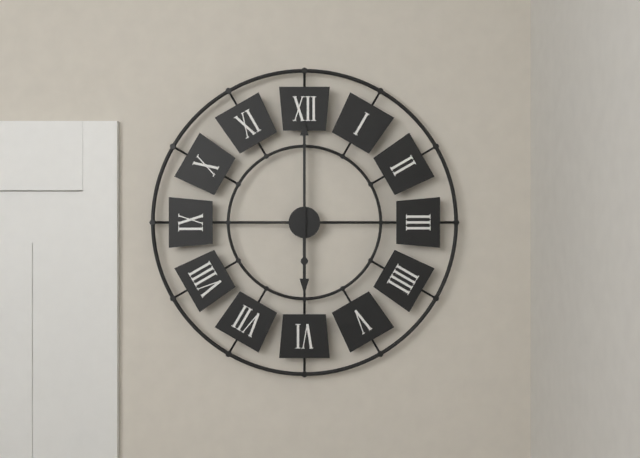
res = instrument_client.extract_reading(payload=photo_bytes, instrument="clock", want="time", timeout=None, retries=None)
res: 6:00
